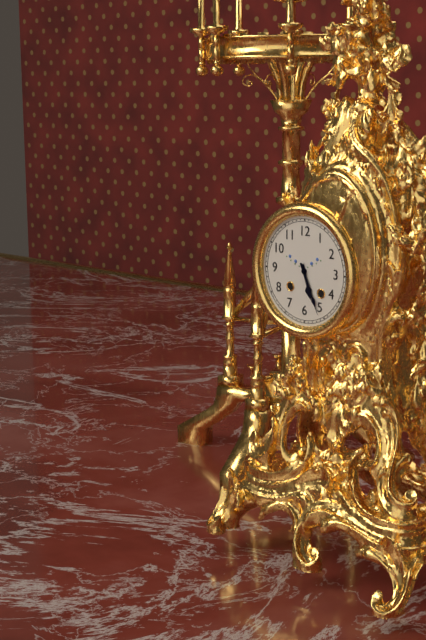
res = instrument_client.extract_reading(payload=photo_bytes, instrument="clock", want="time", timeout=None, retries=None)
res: 5:26
